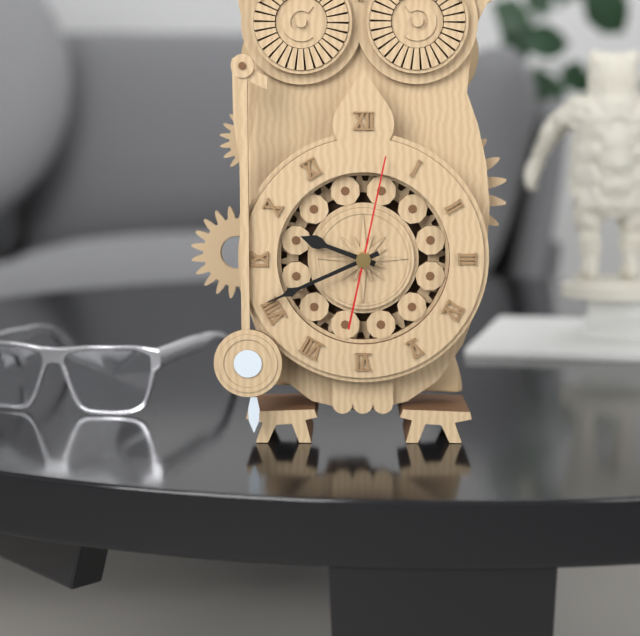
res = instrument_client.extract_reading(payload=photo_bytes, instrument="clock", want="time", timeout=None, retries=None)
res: 9:41:02
